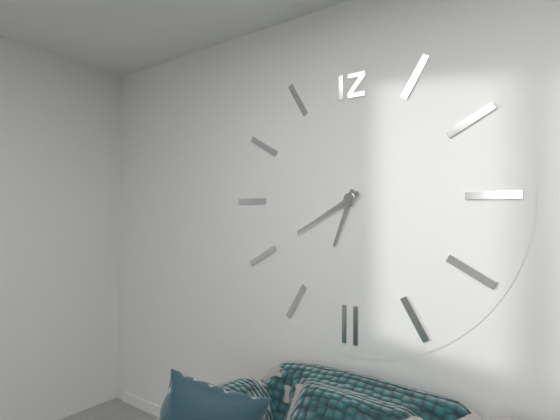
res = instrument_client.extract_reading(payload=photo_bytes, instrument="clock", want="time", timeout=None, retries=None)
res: 6:40
